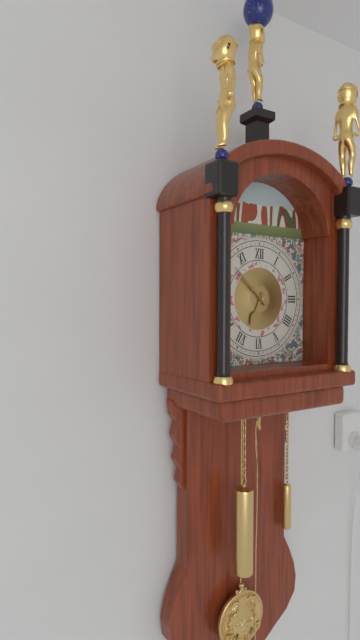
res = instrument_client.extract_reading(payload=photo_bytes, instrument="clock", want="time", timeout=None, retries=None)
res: 6:52
